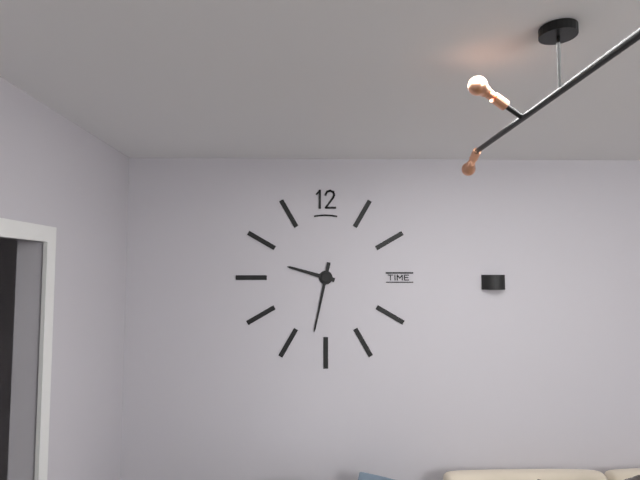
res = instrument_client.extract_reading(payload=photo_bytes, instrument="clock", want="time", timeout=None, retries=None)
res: 9:32
